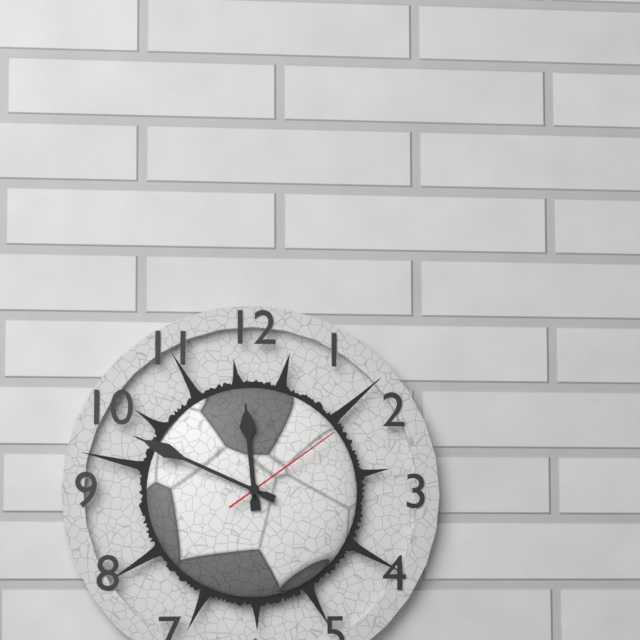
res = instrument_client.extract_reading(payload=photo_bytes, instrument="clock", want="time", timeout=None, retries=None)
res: 11:49:09
